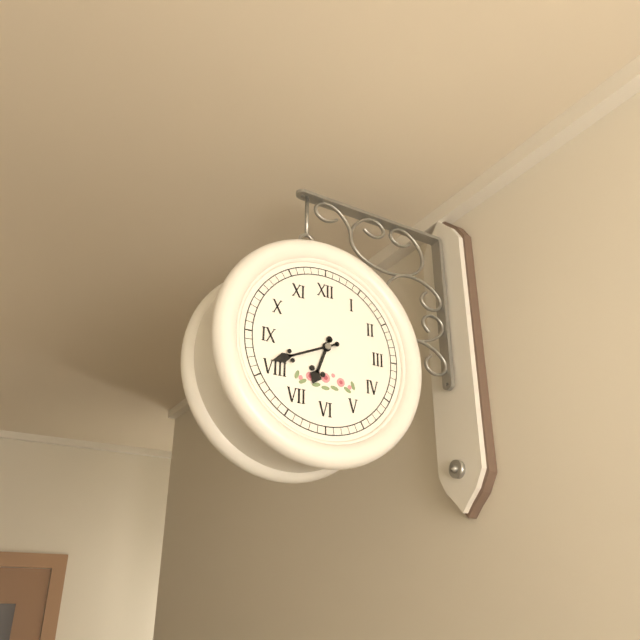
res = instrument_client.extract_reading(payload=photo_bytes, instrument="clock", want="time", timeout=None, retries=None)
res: 6:41
